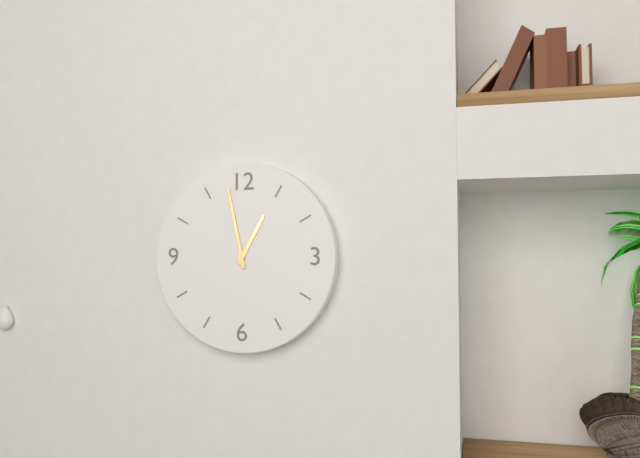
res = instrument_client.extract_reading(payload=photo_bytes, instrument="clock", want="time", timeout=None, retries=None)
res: 12:58
